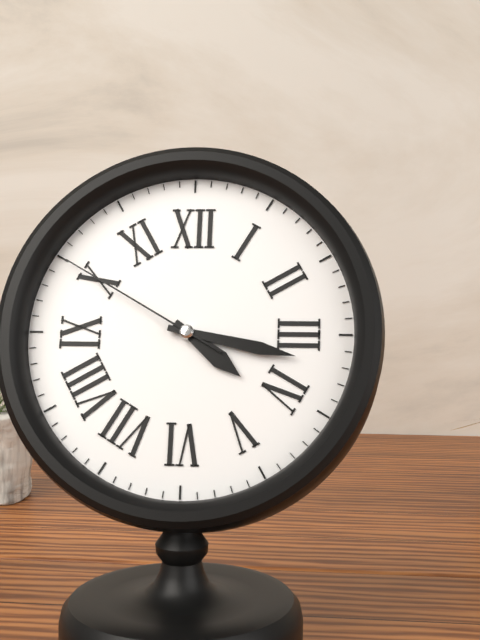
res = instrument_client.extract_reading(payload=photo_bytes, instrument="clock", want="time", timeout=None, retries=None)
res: 4:17:50
